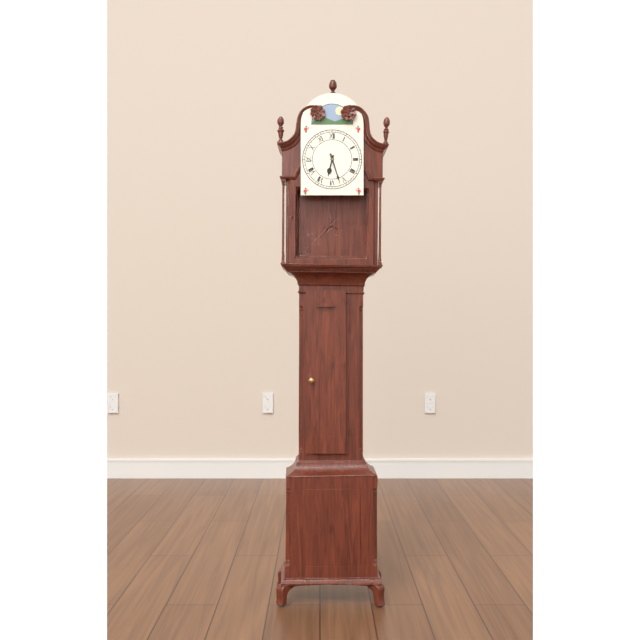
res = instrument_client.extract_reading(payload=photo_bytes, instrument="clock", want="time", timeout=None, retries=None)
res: 6:27
